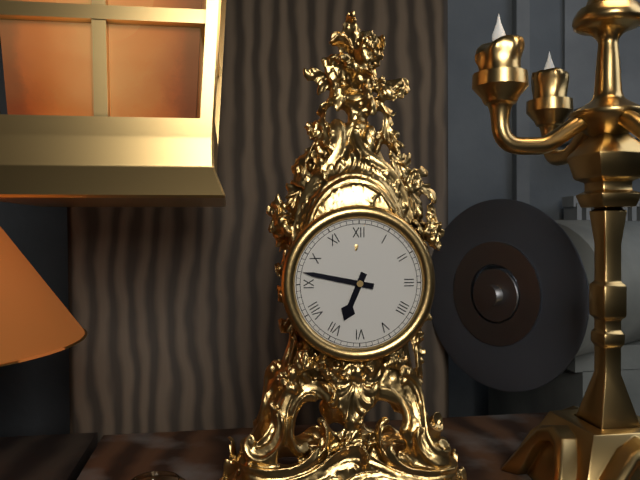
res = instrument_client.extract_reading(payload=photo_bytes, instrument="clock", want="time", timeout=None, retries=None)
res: 6:47
